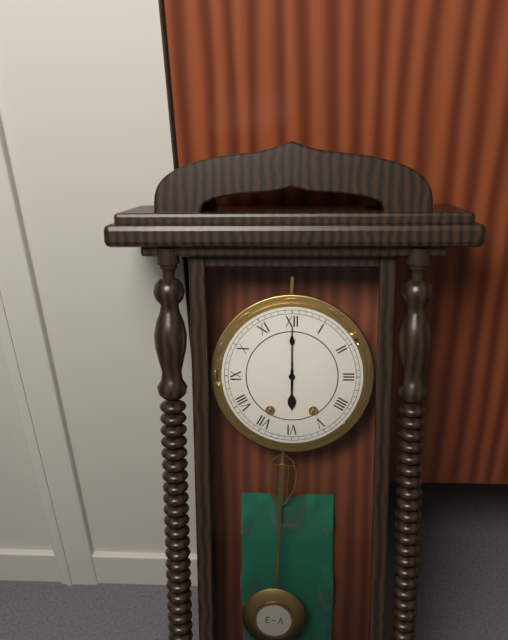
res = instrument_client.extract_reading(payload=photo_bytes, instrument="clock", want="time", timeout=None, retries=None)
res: 6:00
